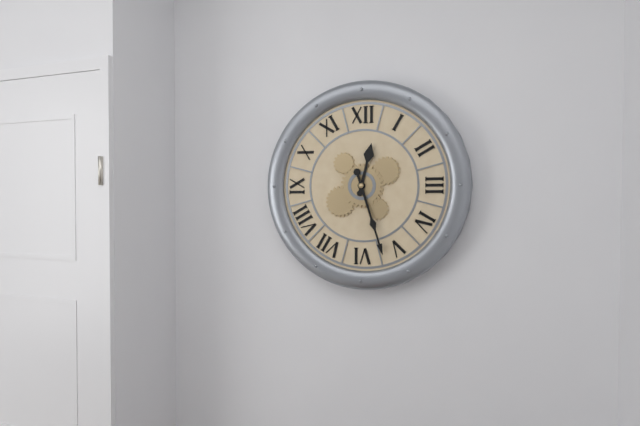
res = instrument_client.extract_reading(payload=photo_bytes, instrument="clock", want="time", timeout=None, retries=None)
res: 12:27
